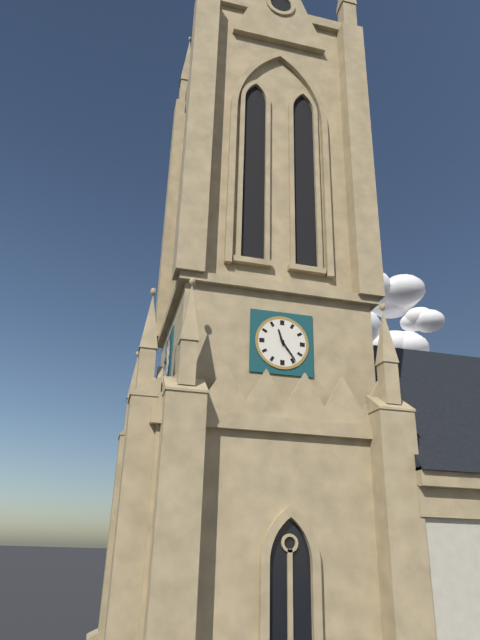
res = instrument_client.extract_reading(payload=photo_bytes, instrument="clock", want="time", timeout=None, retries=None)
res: 11:24
